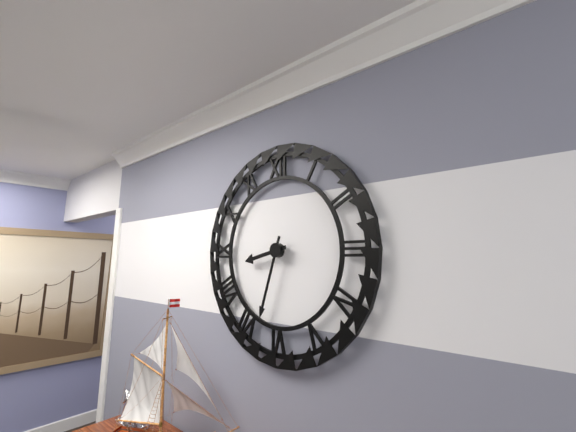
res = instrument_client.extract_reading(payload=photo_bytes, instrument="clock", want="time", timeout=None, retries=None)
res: 8:33
